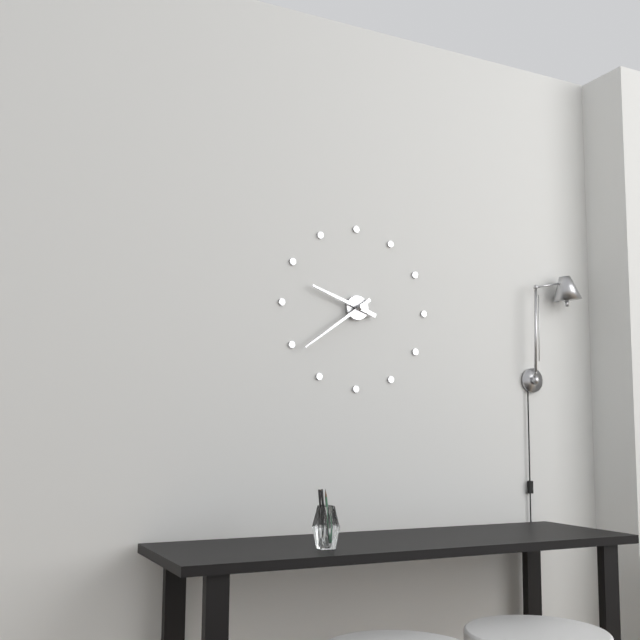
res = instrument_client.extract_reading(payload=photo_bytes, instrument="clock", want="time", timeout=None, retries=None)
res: 9:39
